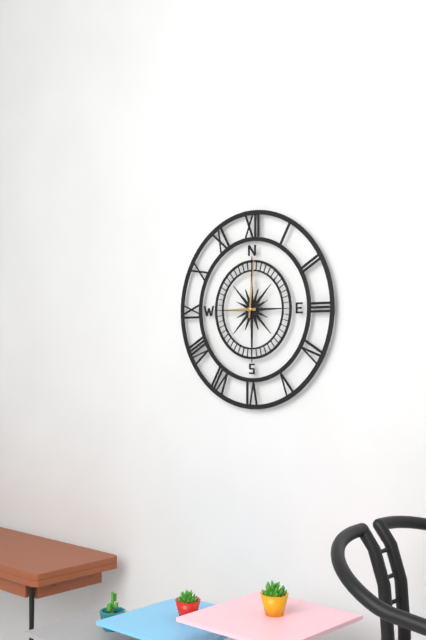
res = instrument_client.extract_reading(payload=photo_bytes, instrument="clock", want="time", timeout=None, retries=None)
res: 9:01
